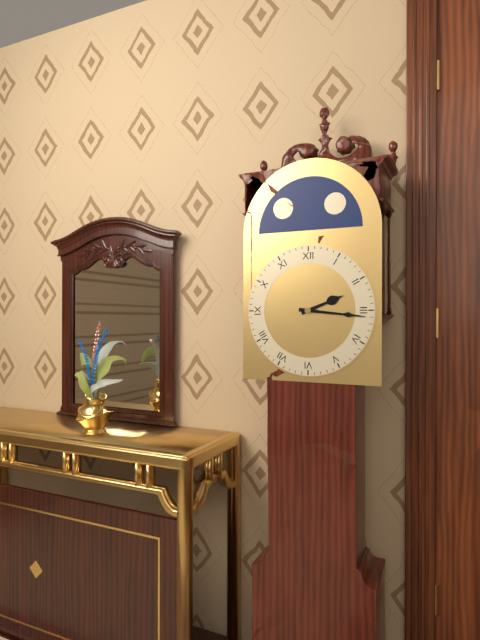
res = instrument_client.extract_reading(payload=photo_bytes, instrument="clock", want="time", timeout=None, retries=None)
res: 2:16
